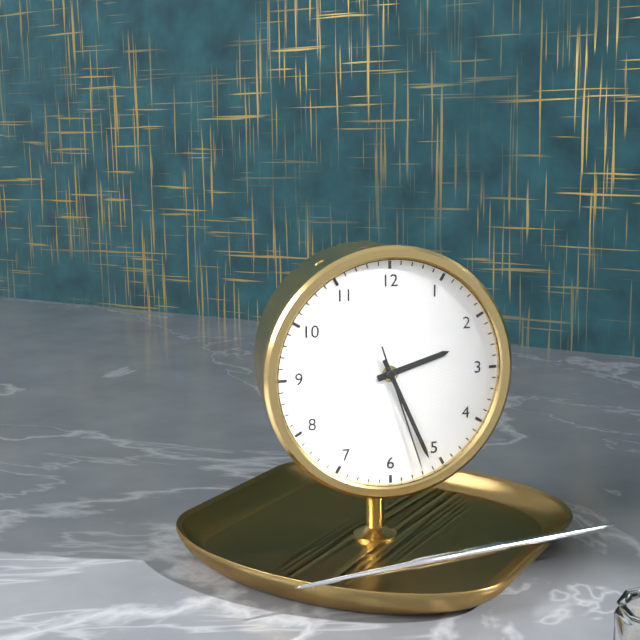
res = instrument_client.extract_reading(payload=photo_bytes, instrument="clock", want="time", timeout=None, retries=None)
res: 2:26:27
